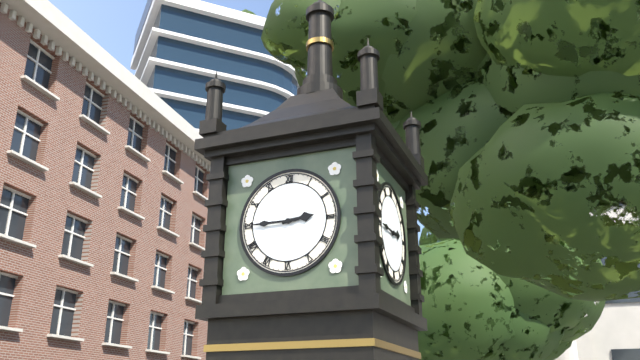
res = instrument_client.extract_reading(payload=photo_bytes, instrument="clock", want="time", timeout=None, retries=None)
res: 2:45
